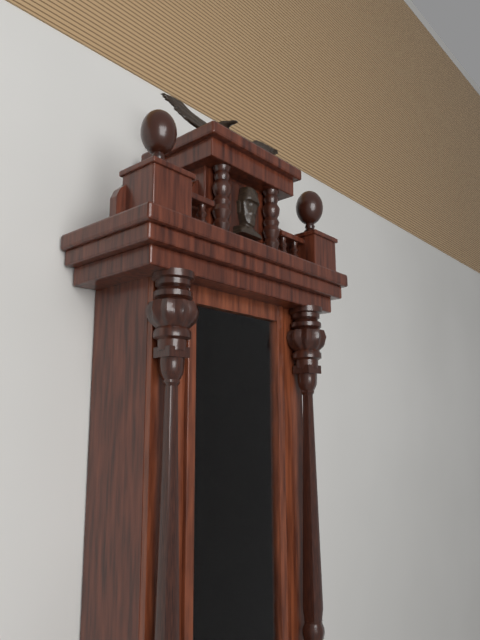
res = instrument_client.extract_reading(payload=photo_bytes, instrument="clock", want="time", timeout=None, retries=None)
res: 4:01
